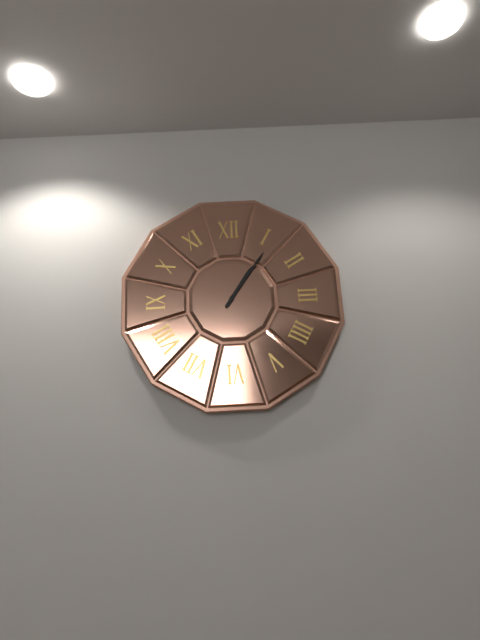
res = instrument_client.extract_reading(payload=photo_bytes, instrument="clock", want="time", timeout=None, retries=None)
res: 1:06
